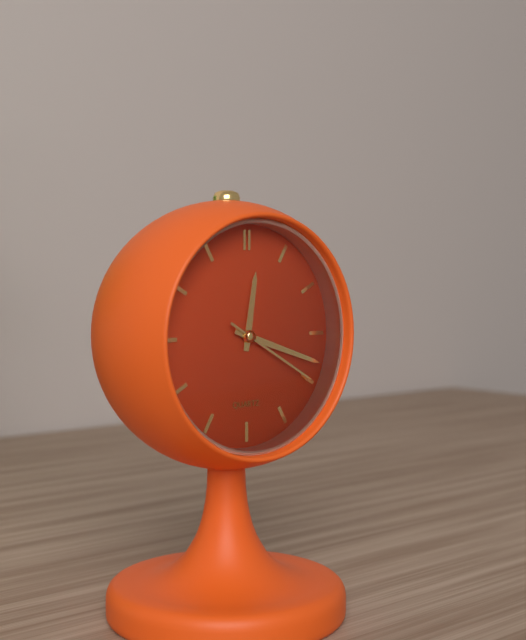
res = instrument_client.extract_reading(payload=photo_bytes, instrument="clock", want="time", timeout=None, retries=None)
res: 12:18:20
